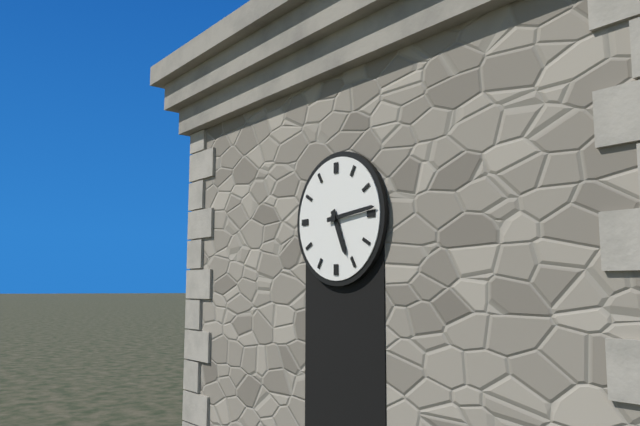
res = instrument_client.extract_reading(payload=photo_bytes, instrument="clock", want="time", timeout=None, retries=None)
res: 5:14
